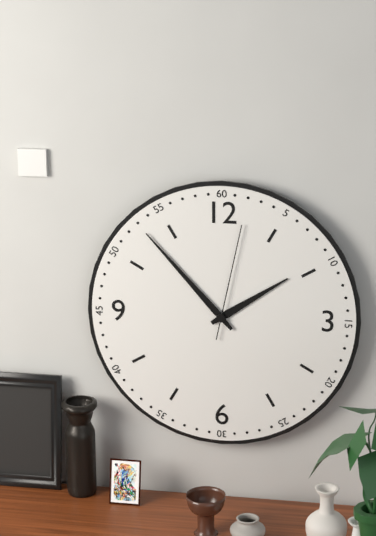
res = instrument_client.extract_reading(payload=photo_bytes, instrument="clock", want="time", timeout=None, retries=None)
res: 1:53:02
